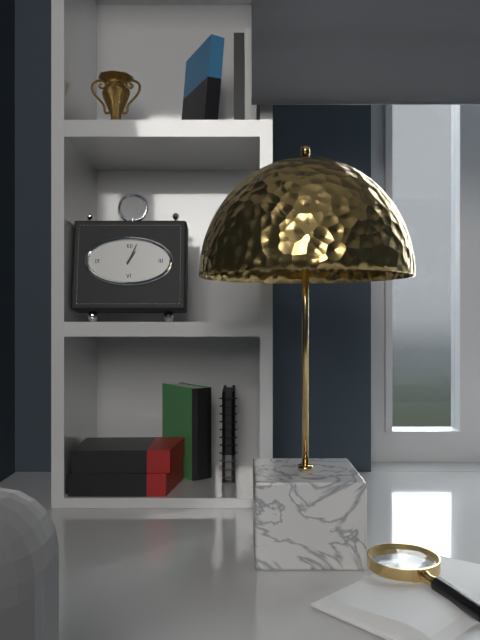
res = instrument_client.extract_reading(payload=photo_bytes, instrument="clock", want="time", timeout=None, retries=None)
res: 1:04
